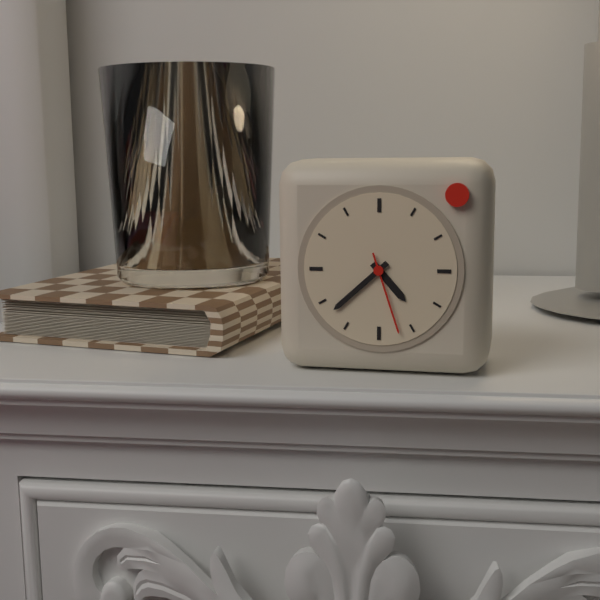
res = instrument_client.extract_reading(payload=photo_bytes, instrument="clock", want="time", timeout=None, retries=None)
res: 4:38:27
